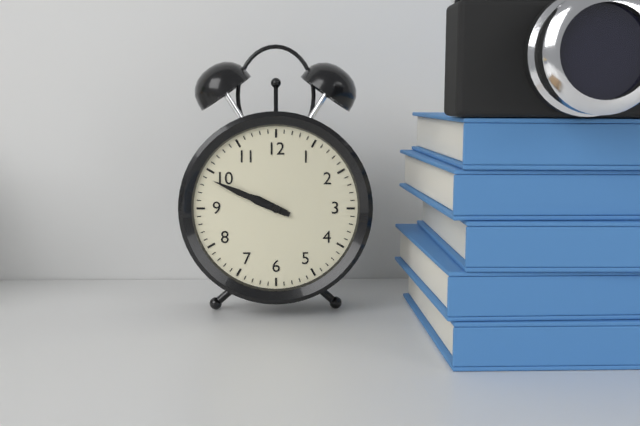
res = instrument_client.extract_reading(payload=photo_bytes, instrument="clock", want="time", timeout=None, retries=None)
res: 9:49
